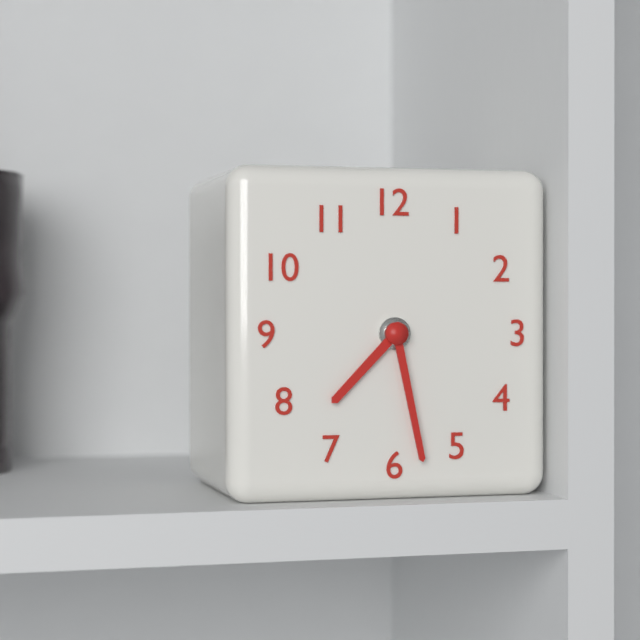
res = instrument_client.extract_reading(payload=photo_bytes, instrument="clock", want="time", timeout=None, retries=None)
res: 7:28
